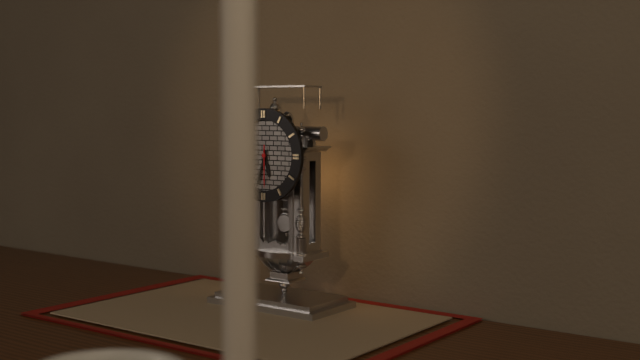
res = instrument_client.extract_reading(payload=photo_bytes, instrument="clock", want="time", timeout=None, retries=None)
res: 5:33
